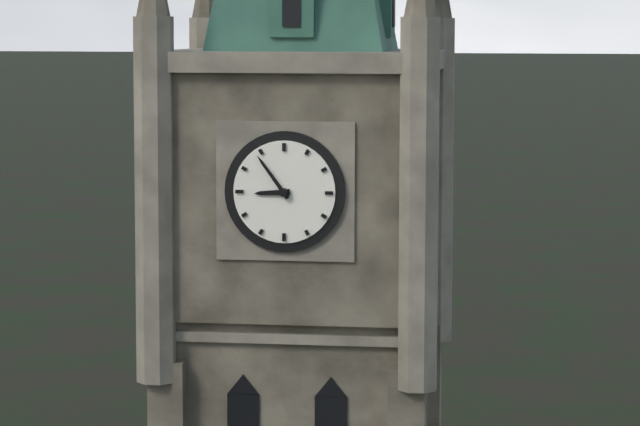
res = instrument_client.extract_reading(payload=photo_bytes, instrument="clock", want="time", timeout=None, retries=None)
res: 8:54
